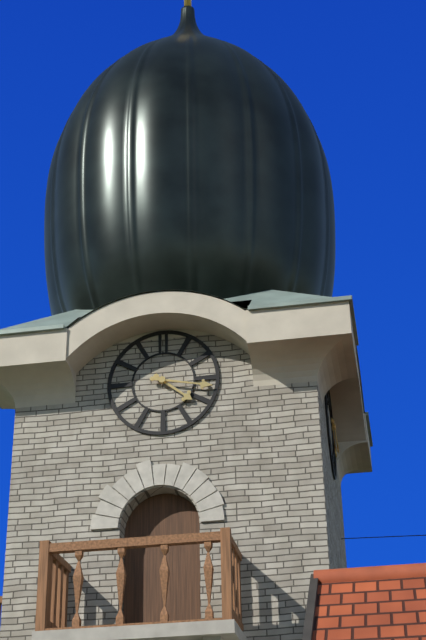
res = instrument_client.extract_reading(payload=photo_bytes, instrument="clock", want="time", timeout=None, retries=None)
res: 4:17
